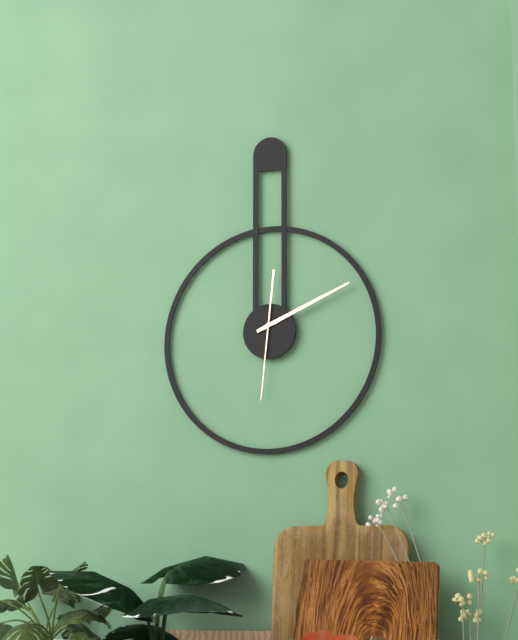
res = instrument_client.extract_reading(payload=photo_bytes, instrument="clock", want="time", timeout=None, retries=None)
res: 2:11:31
